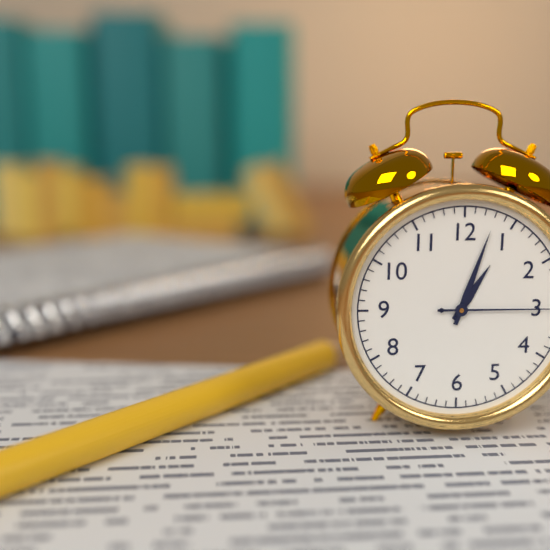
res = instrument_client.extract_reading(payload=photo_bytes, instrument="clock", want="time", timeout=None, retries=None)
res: 1:03:15
